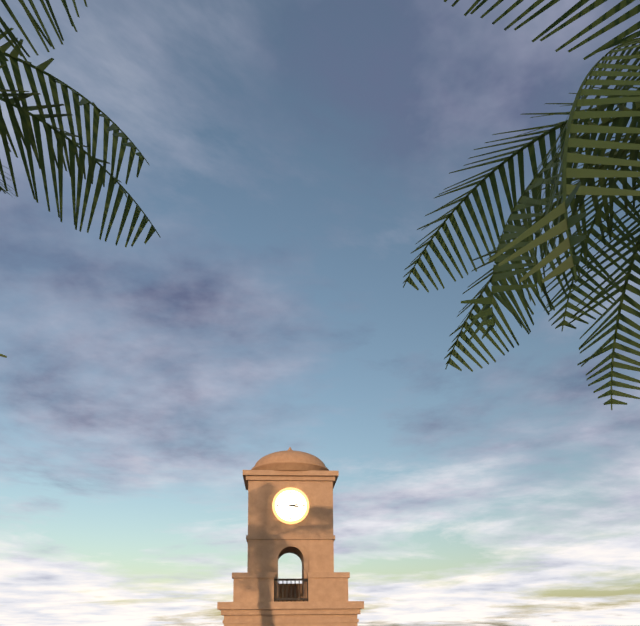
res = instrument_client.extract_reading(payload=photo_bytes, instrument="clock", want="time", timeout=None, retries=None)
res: 3:13
